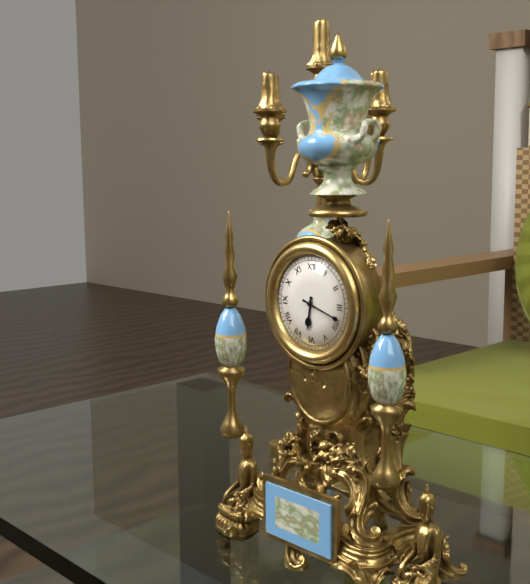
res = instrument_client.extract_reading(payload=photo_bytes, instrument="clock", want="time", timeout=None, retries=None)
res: 6:18
